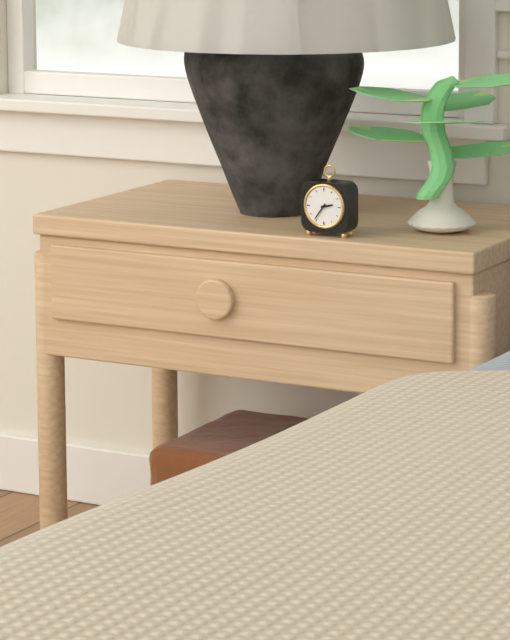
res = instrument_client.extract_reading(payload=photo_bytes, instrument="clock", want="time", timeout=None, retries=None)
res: 2:36
